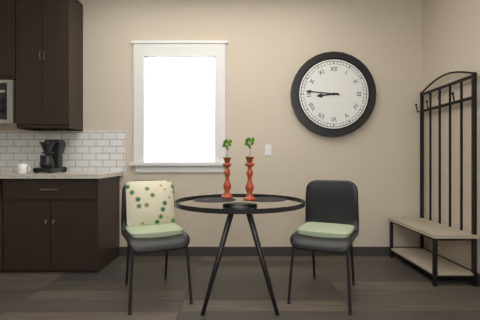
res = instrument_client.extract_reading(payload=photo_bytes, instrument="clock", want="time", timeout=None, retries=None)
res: 8:46
